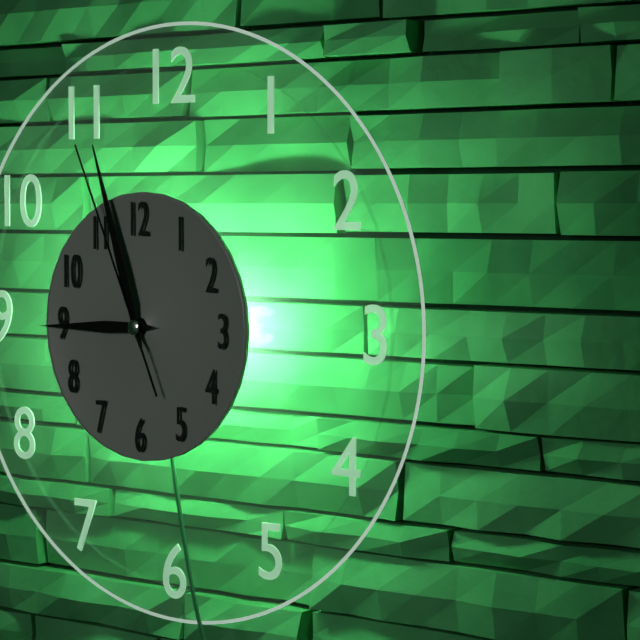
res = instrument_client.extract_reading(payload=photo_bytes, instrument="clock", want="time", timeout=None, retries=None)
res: 8:57:56
